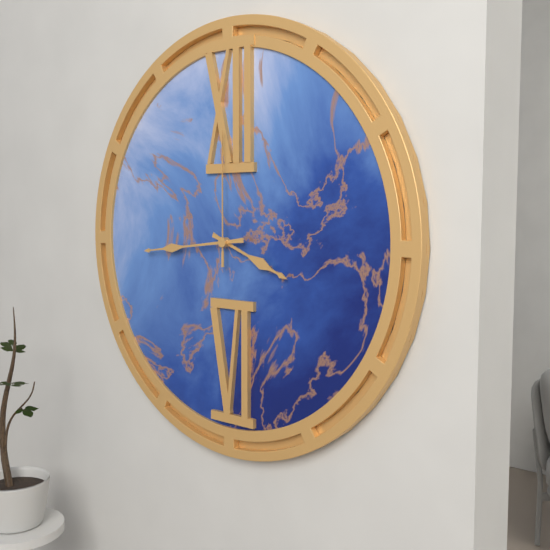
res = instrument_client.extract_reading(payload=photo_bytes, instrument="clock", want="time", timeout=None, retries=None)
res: 3:44:00
